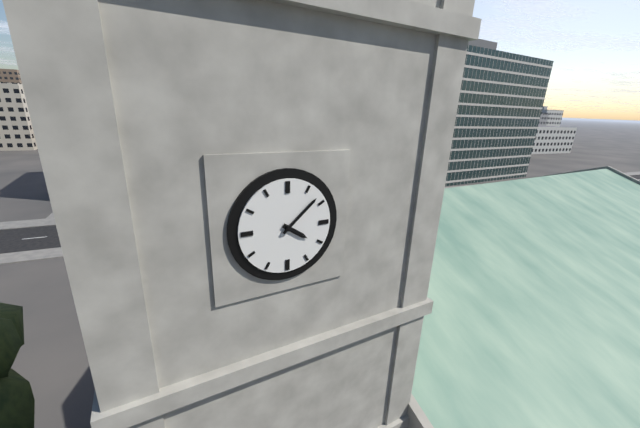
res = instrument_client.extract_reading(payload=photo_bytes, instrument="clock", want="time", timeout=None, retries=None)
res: 4:08
